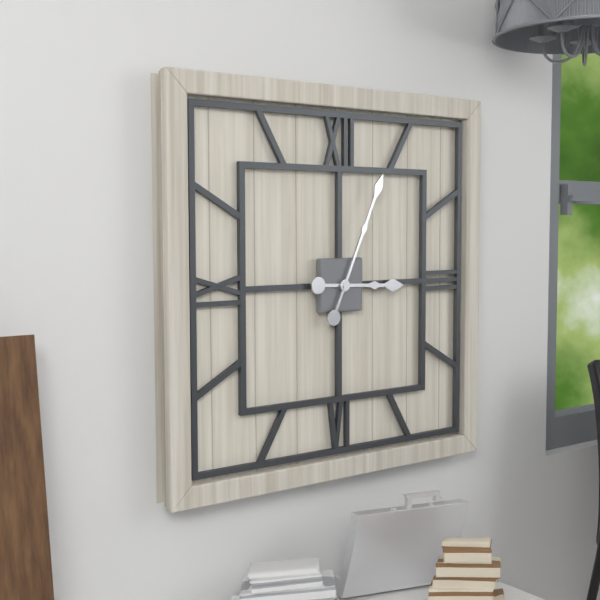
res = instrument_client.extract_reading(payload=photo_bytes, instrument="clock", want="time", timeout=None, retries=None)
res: 3:04
